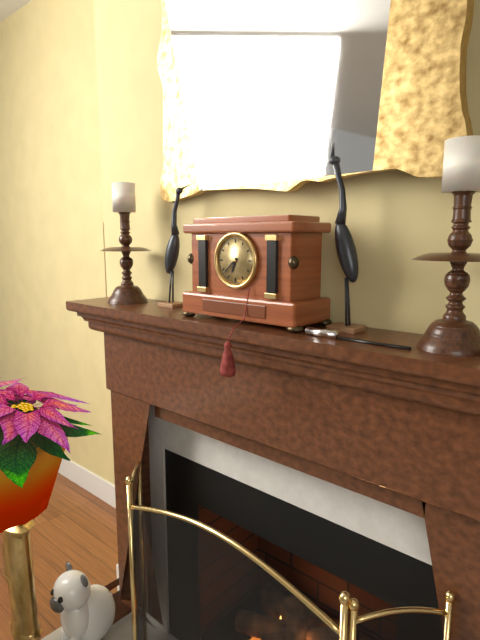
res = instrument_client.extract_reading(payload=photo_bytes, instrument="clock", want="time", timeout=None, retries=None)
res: 6:38
